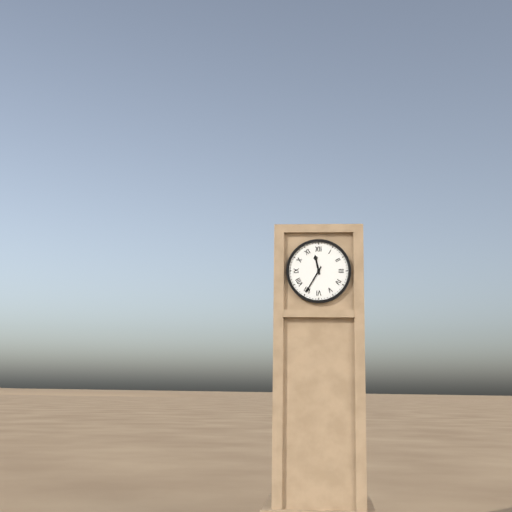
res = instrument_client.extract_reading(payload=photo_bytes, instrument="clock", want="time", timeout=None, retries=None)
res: 11:35
